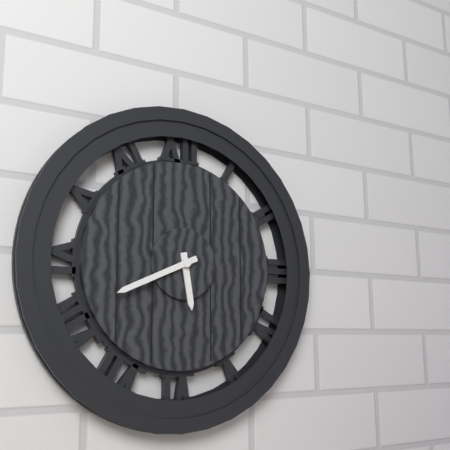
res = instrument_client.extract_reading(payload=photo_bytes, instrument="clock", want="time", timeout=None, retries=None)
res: 5:41
